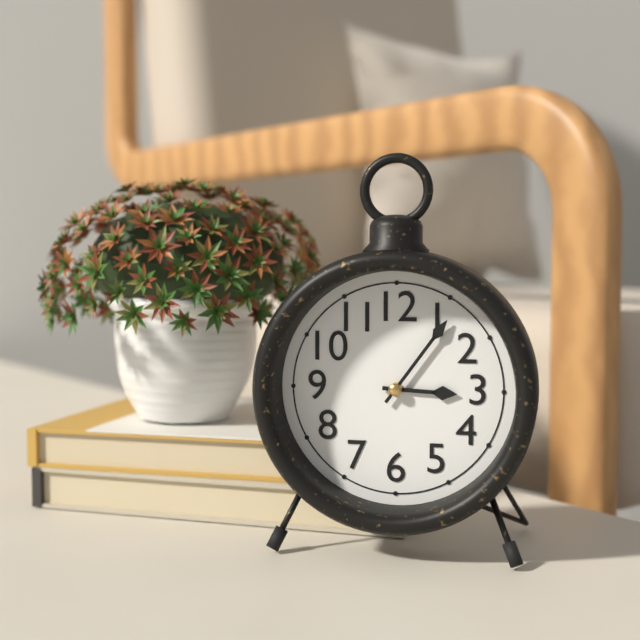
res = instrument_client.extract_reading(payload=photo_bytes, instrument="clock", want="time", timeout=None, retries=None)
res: 3:06
